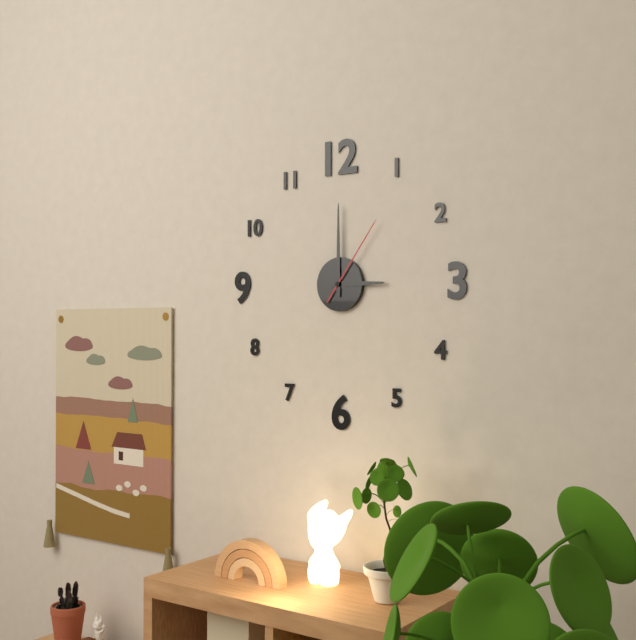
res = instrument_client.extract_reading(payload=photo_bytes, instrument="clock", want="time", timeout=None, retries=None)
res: 3:00:06
